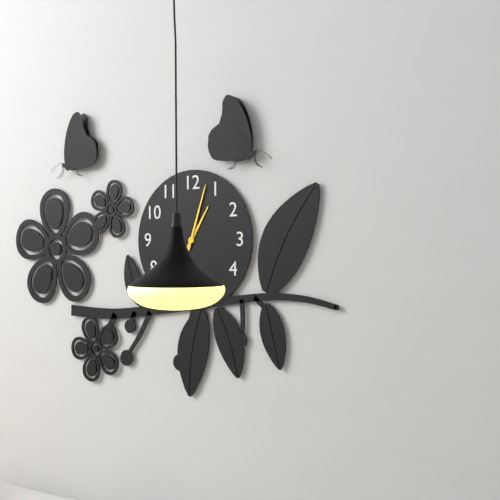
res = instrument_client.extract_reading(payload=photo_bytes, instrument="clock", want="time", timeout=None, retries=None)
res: 1:03
